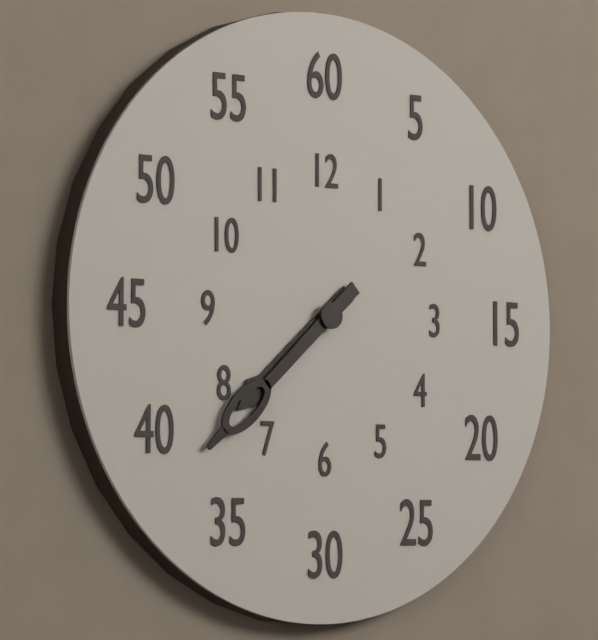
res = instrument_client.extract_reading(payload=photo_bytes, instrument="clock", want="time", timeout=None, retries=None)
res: 7:38
